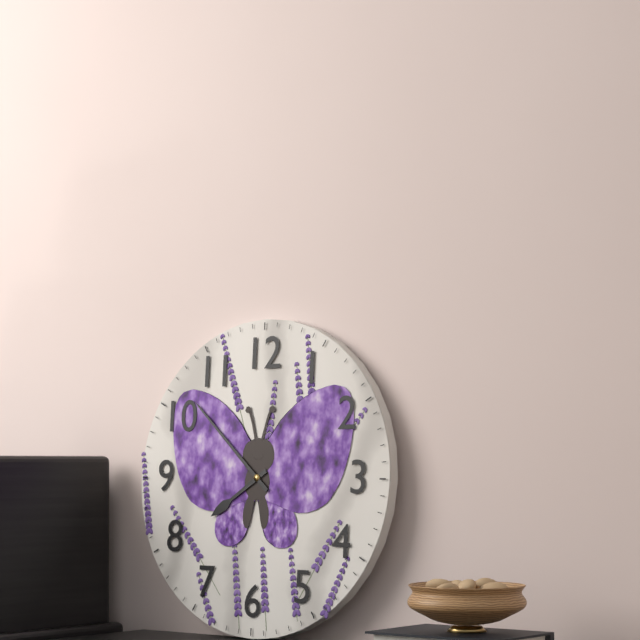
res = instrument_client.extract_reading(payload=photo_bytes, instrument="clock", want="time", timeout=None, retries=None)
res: 7:52
